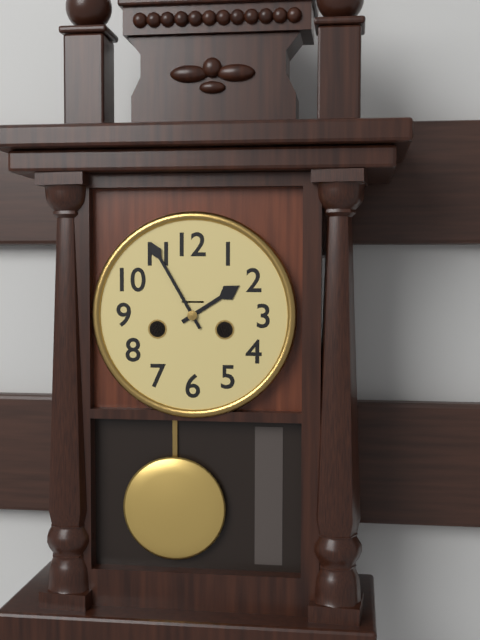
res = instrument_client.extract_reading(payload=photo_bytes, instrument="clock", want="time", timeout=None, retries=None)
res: 1:55
